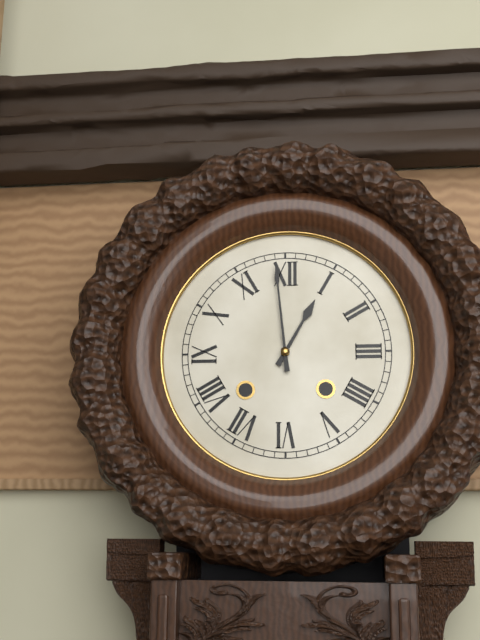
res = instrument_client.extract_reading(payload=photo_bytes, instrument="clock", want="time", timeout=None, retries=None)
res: 12:59
